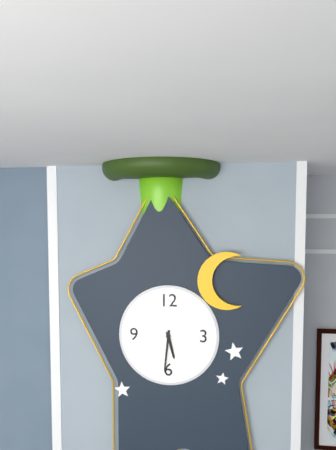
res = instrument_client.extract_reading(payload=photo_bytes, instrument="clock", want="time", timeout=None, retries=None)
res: 5:31
